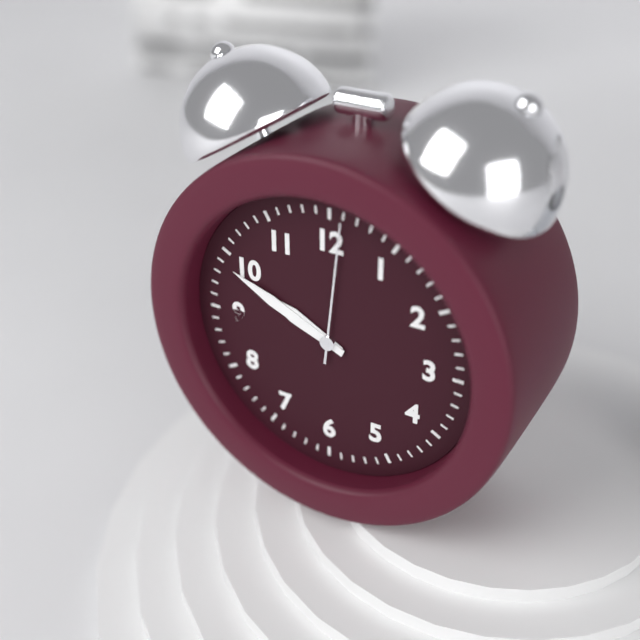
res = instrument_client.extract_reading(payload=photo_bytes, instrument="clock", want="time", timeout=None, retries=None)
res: 9:49:01
